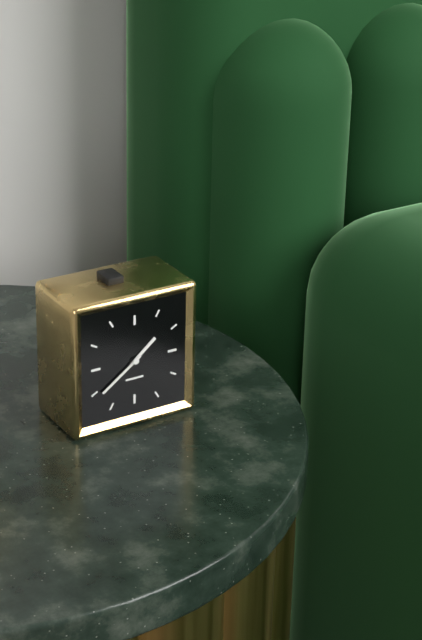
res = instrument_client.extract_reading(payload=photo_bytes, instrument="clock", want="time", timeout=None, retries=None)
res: 1:39
